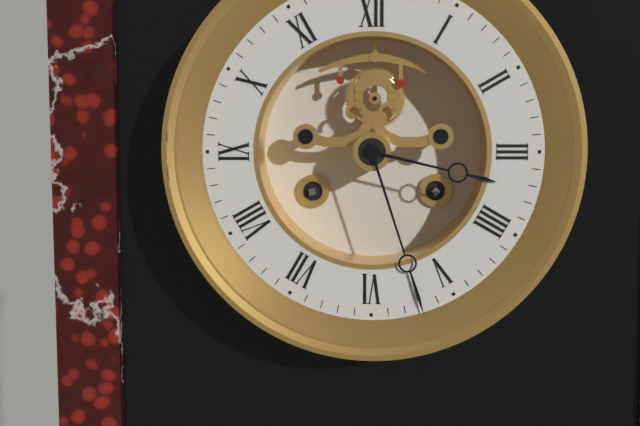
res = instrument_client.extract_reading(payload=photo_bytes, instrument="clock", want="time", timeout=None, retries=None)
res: 3:27
